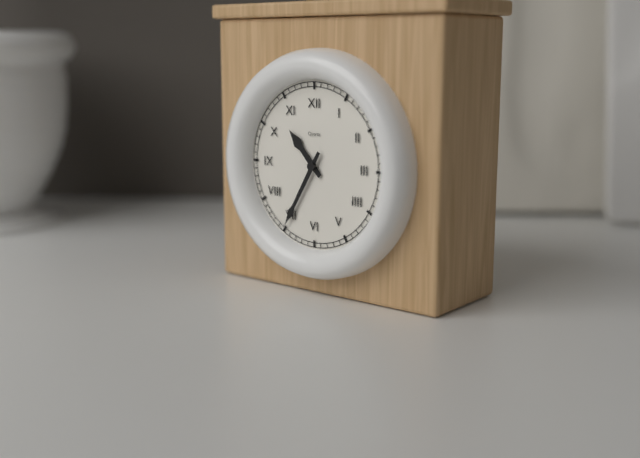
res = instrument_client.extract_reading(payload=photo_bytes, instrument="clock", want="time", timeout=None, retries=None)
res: 10:35
